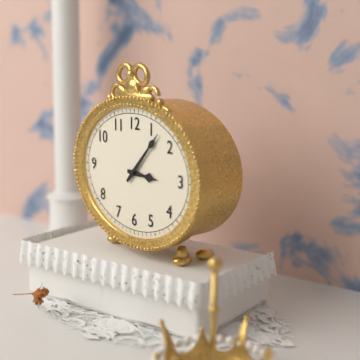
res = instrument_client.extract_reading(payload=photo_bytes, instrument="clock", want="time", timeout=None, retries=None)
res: 3:07
